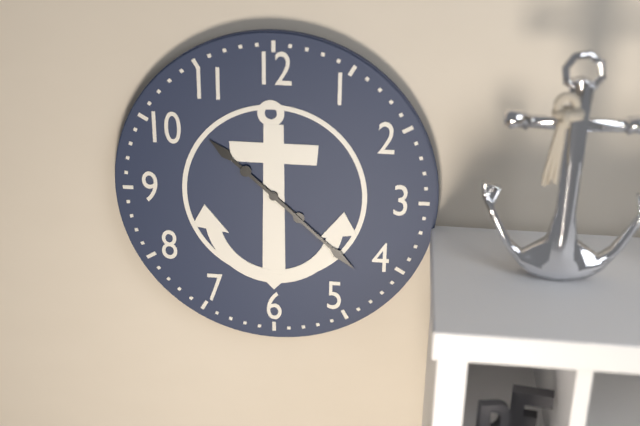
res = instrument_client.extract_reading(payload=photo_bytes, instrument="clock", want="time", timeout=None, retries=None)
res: 10:22
